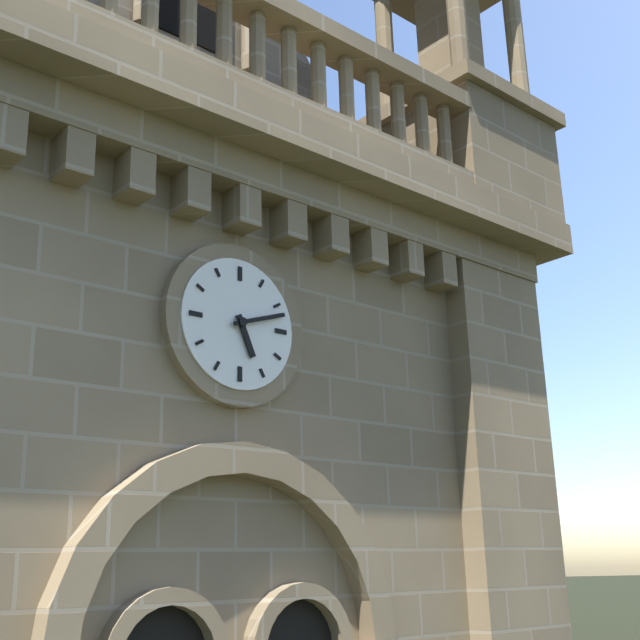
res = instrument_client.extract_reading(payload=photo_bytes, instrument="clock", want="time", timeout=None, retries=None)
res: 5:12
